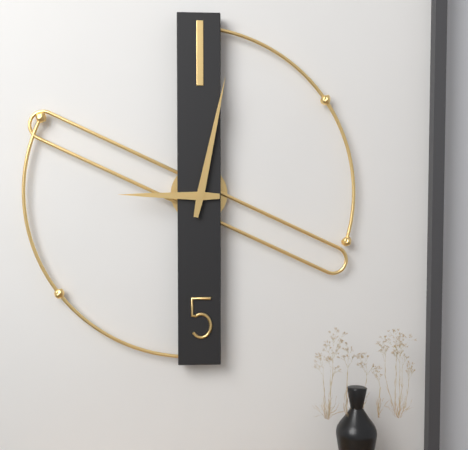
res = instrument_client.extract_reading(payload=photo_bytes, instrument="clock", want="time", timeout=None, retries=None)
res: 9:02
